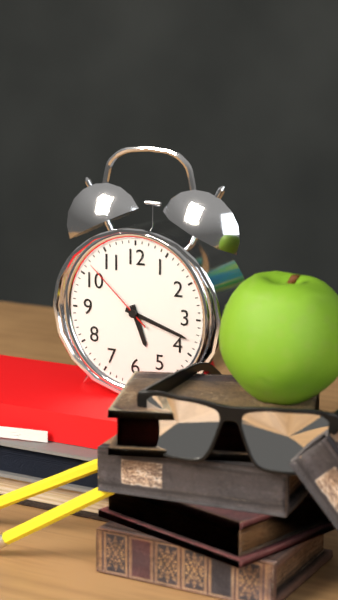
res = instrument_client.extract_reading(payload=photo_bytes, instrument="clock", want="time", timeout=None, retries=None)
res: 5:18:52
